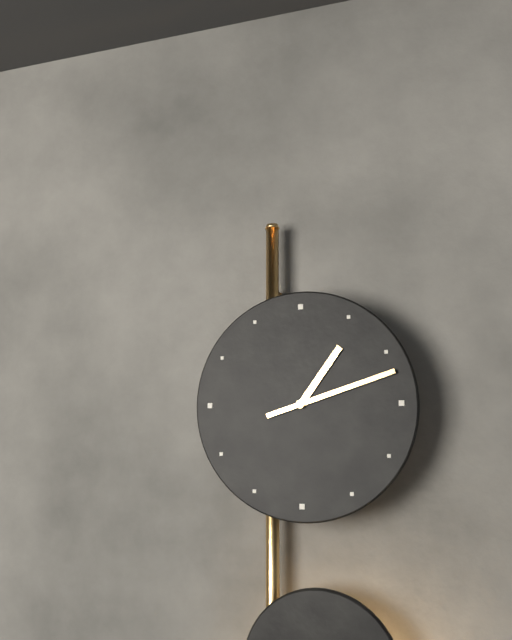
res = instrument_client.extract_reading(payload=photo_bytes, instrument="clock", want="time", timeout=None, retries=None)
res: 1:12
